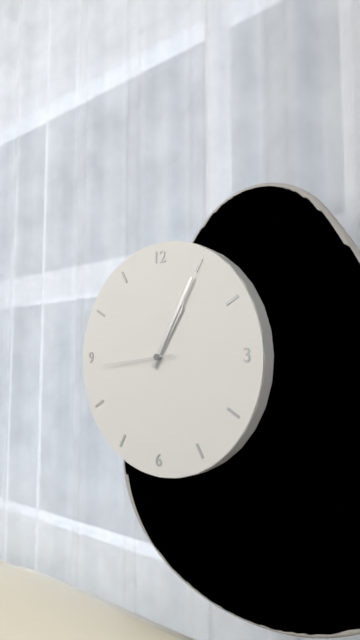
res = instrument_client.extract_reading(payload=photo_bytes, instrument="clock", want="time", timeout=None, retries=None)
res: 1:05:44
